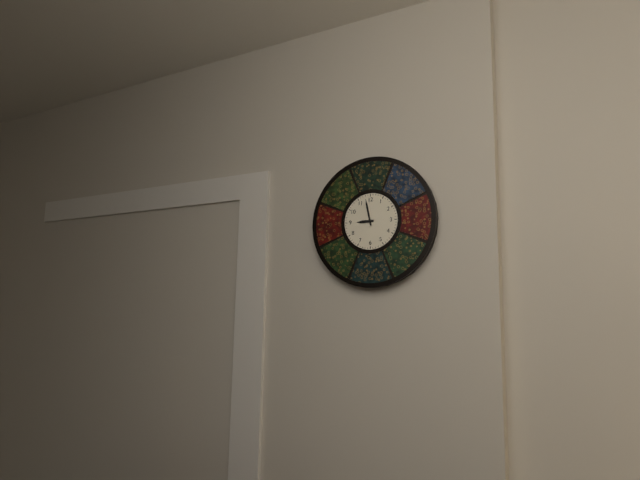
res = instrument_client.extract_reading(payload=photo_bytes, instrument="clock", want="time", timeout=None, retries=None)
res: 8:58
